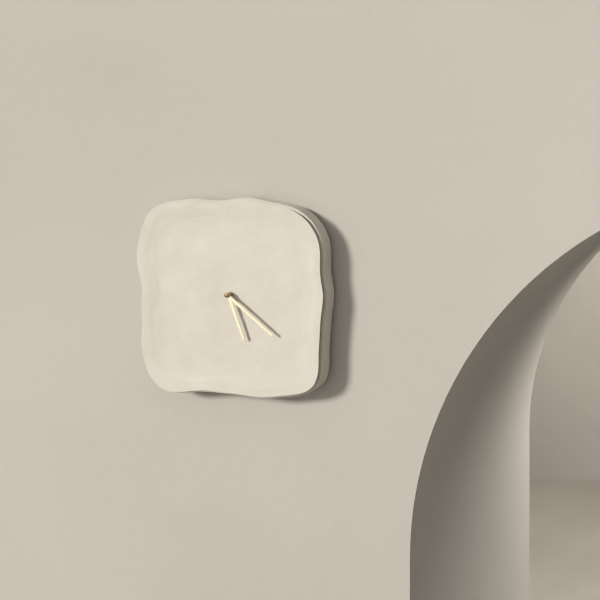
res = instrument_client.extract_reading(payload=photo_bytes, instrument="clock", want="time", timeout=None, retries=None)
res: 5:22
